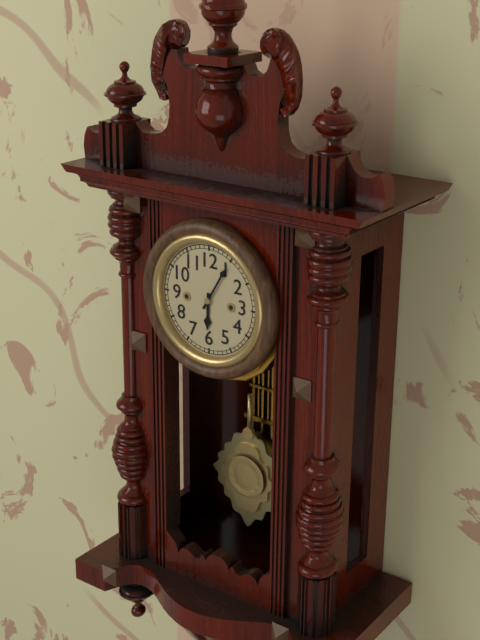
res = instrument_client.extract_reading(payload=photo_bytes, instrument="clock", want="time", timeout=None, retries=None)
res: 6:05
